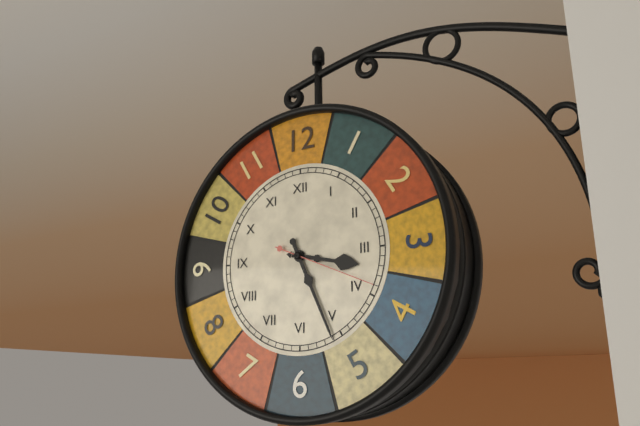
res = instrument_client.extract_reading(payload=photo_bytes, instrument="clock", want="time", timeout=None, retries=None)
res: 3:26:19
